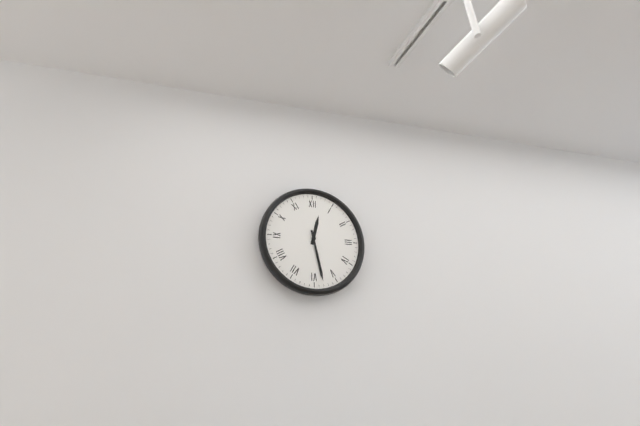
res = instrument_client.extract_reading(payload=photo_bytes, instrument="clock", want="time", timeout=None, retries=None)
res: 12:28
